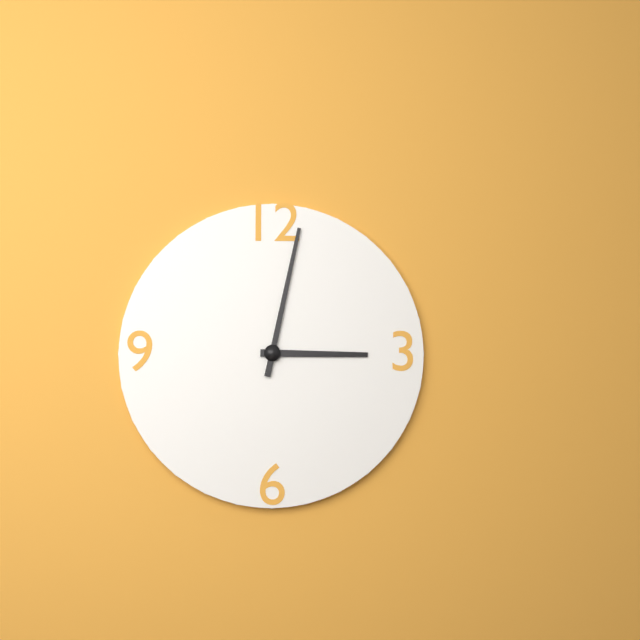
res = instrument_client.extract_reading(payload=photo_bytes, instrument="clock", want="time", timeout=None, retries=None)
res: 3:02
